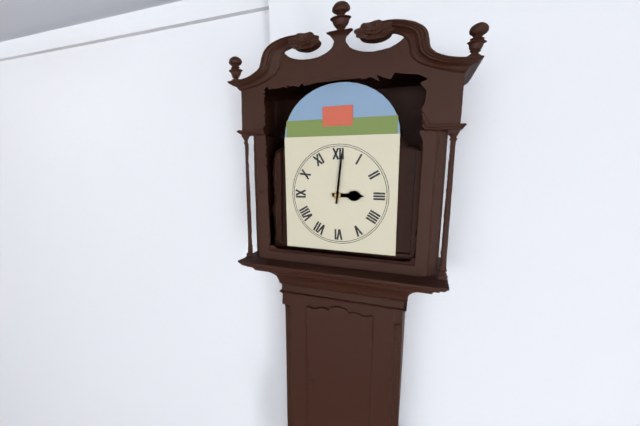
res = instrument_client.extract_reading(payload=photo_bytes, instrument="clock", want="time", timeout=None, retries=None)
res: 3:01
